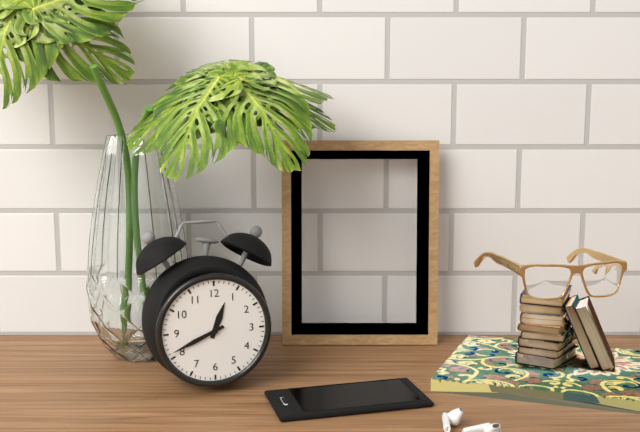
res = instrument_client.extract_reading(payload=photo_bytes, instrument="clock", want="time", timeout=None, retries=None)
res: 12:41
